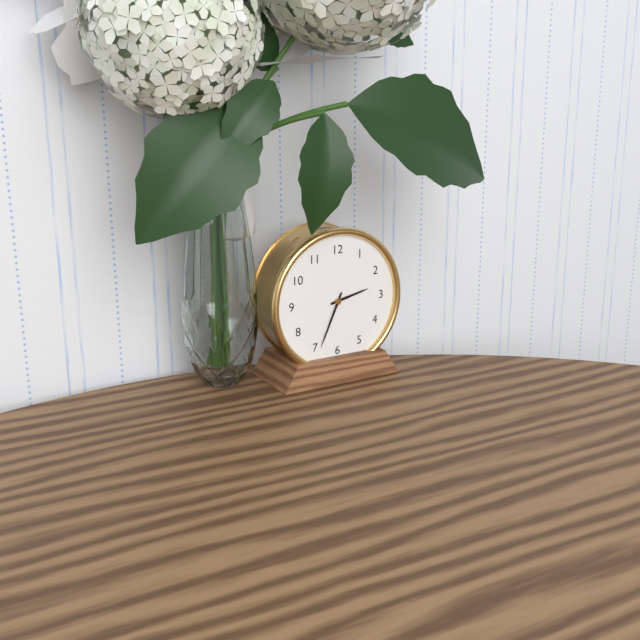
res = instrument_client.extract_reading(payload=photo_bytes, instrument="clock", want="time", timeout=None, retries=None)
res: 2:34
